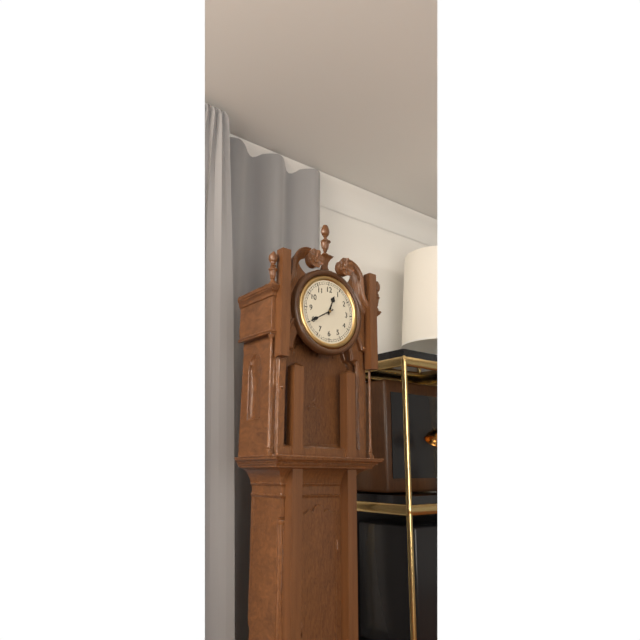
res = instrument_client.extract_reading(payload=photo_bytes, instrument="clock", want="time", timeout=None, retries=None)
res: 12:40
